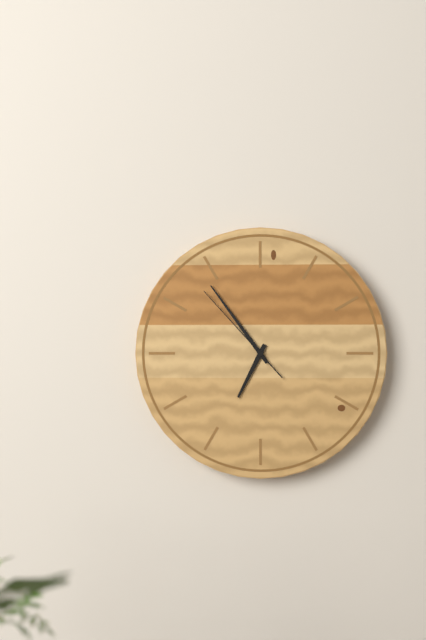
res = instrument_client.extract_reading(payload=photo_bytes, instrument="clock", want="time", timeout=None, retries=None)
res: 6:54:53
